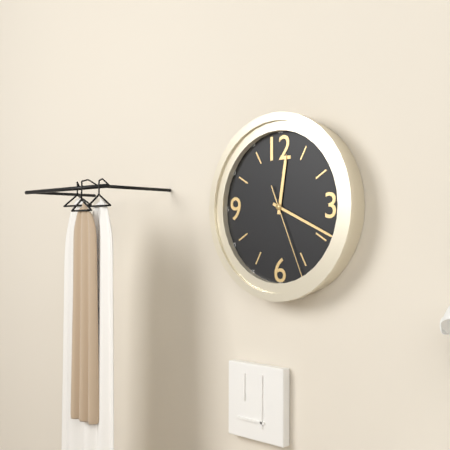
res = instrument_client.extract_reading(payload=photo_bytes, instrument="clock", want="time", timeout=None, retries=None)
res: 12:19:26
